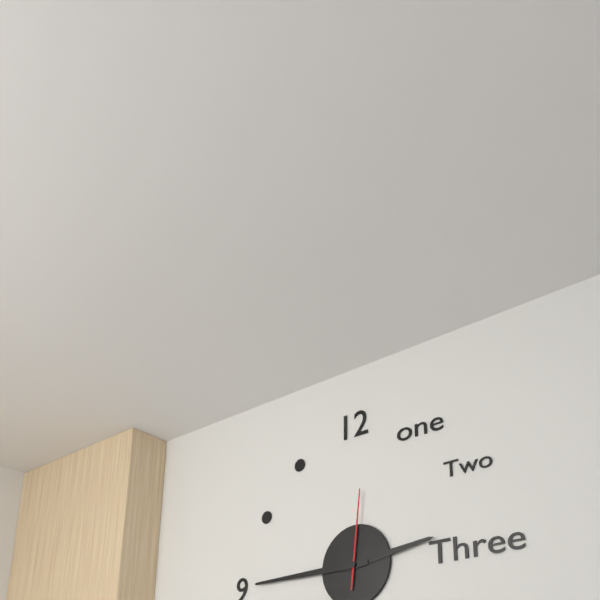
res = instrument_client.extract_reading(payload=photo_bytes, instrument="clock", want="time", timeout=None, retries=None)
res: 2:45:01
